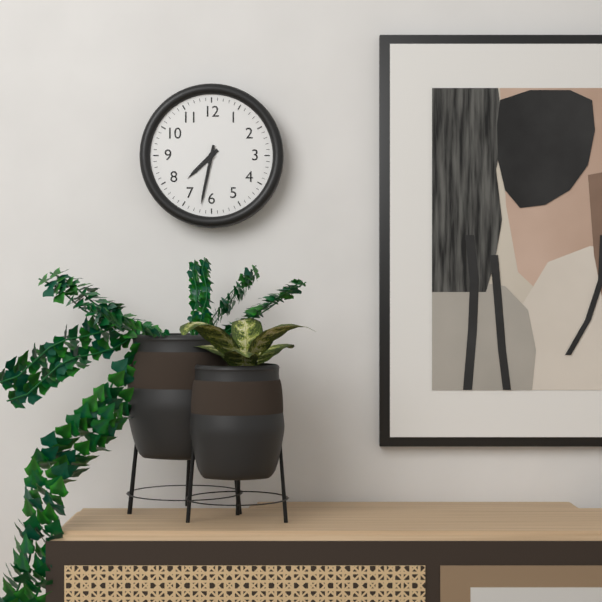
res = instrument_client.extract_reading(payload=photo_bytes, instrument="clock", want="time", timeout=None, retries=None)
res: 7:32
